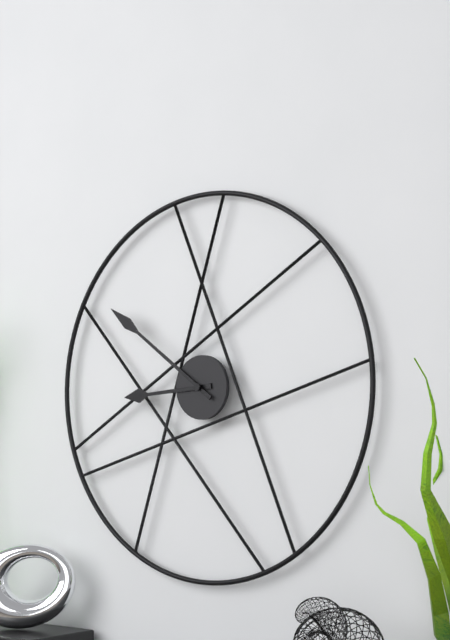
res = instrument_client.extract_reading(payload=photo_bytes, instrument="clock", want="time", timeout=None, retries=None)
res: 8:51
